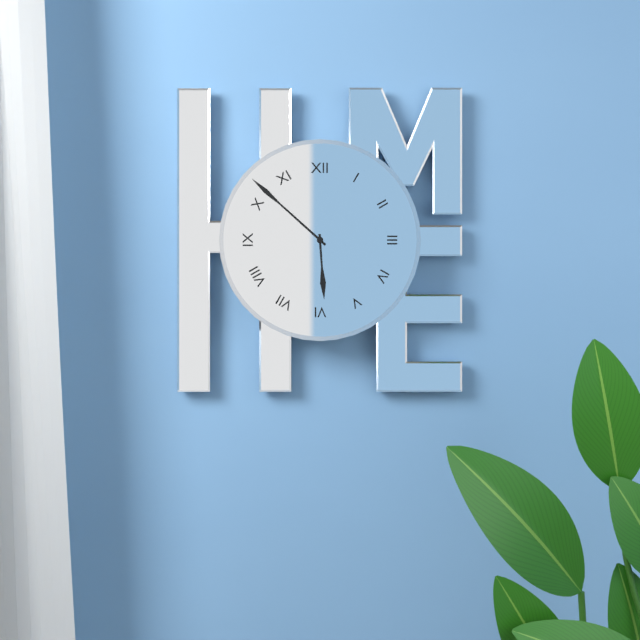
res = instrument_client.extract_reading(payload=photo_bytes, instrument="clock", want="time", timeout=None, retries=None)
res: 5:52
